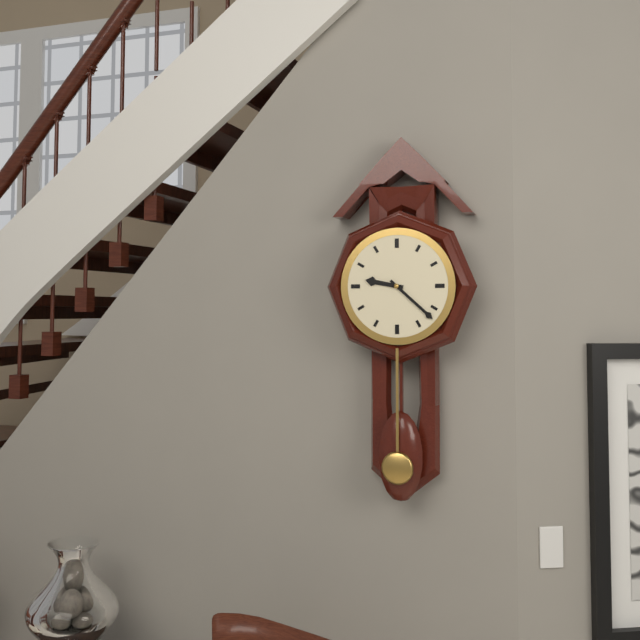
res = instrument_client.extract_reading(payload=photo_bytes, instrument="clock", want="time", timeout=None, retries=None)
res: 9:22
